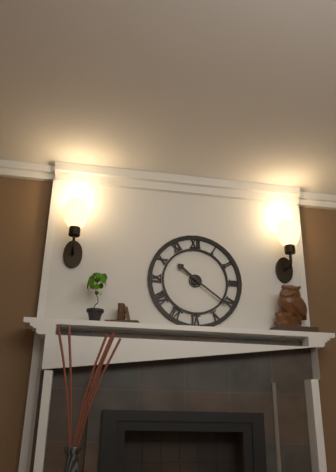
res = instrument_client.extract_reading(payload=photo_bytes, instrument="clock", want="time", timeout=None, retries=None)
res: 10:21
